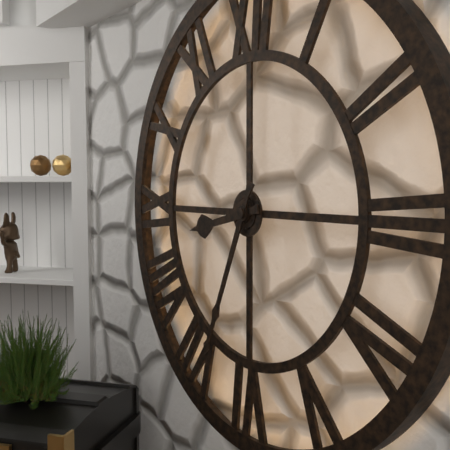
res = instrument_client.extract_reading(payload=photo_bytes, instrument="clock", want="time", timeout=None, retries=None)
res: 8:34
